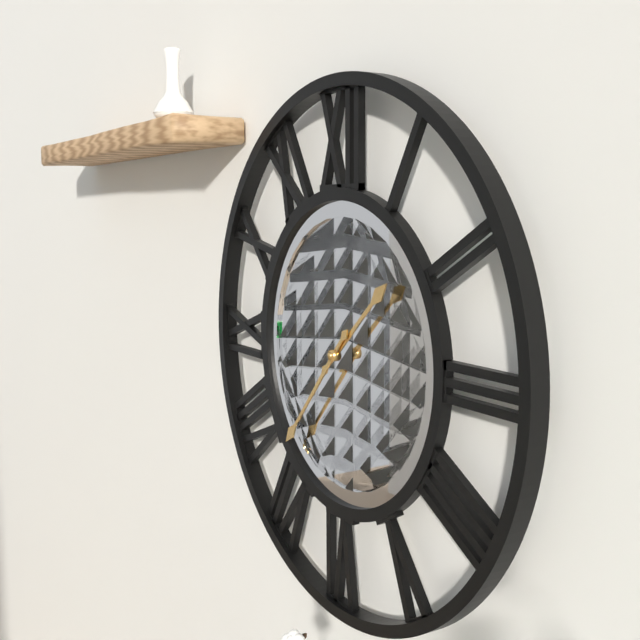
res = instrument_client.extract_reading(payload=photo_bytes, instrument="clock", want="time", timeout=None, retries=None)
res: 1:37
